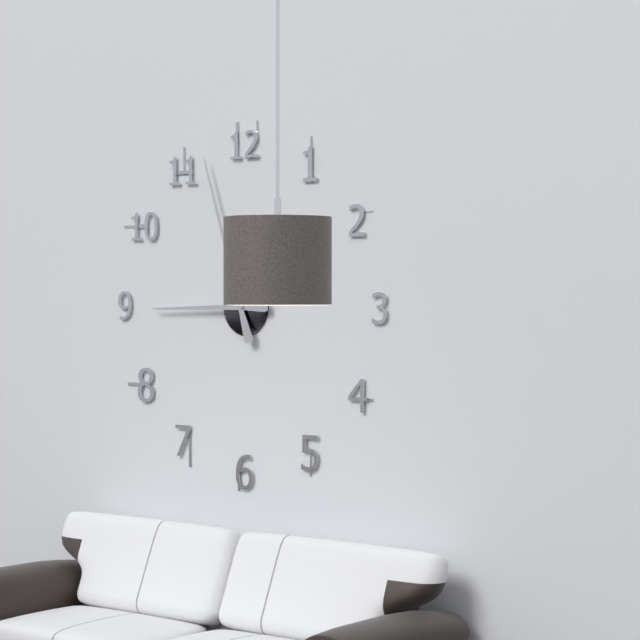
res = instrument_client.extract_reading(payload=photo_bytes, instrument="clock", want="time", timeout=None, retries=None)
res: 8:57
